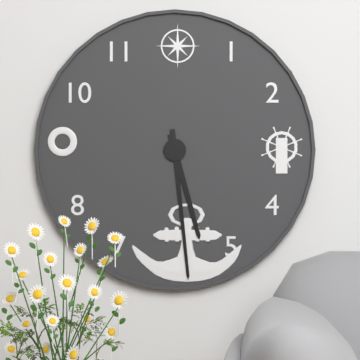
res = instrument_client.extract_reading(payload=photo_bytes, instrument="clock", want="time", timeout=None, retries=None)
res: 5:29
